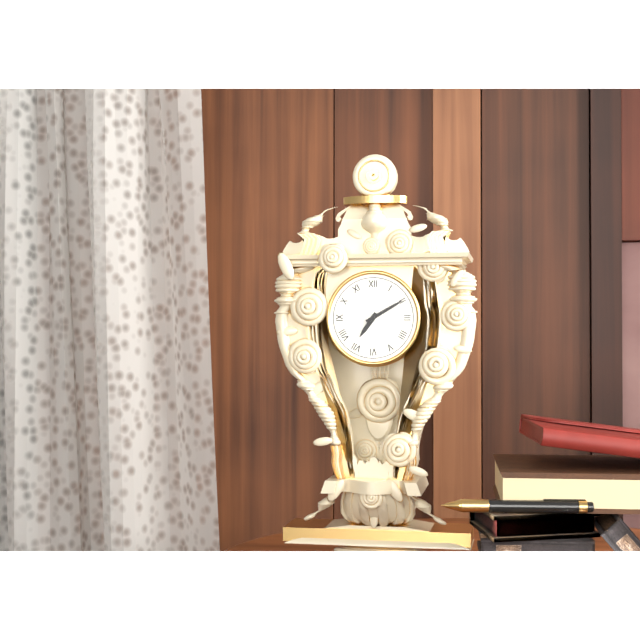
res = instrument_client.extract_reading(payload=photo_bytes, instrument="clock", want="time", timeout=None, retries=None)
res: 7:10
